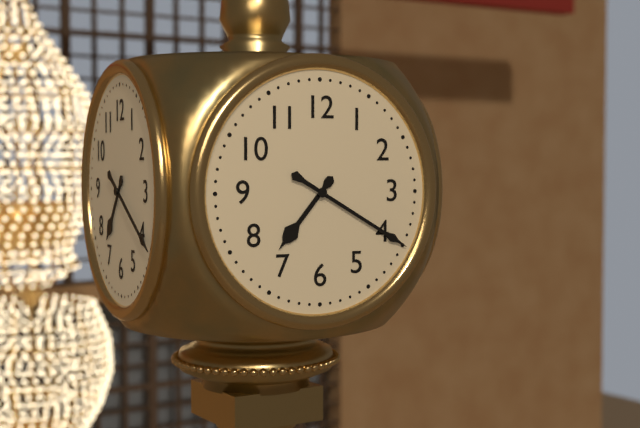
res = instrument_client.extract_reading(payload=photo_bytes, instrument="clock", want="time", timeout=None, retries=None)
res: 7:20
